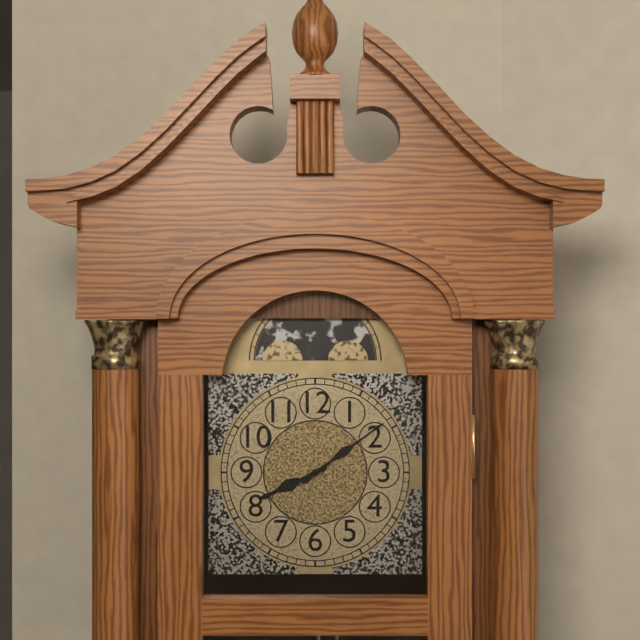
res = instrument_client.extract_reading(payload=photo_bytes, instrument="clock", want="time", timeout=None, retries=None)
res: 8:09
